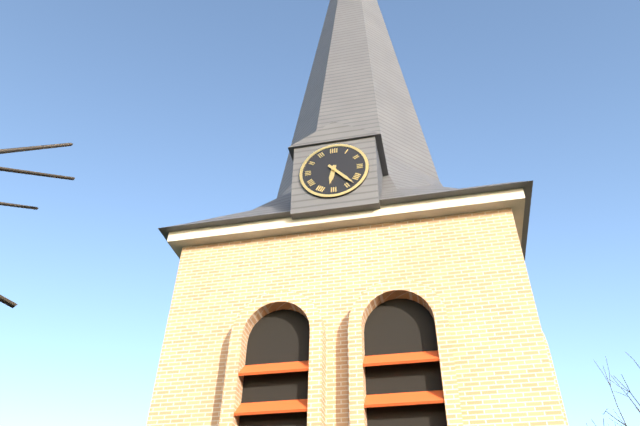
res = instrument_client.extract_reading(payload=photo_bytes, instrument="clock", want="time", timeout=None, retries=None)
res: 6:23
